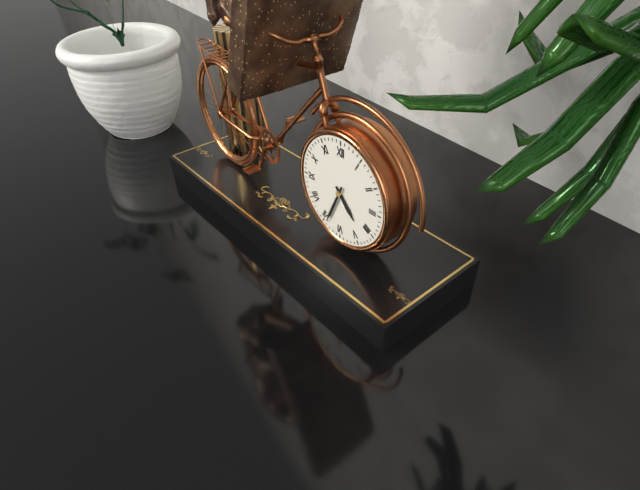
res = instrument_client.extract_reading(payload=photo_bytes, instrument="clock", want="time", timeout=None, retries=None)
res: 4:34
